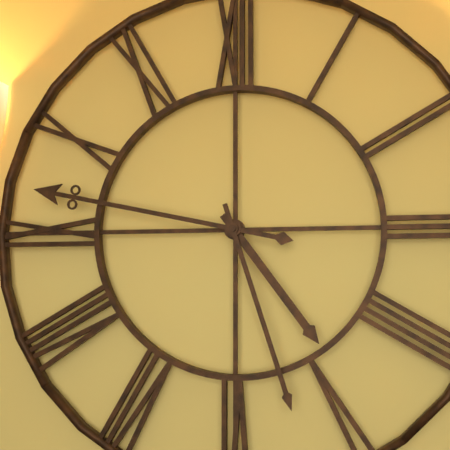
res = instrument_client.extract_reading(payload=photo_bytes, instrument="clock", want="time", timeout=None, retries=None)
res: 4:47:27
